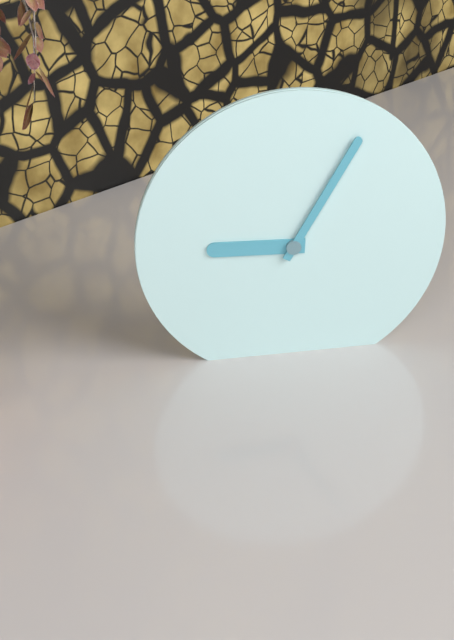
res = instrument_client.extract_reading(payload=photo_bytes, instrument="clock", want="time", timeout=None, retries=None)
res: 9:05
